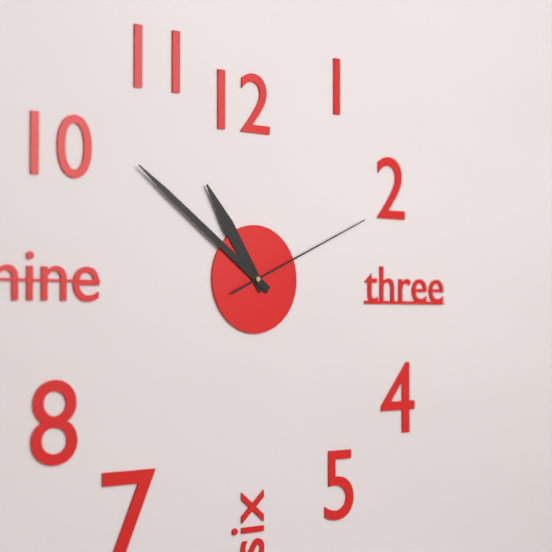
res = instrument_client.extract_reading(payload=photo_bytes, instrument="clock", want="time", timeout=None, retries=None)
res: 10:51:11
